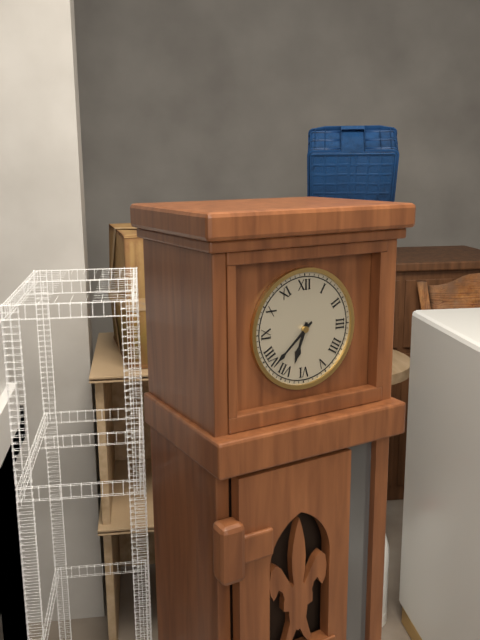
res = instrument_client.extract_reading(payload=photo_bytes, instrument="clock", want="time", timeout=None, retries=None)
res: 6:38
